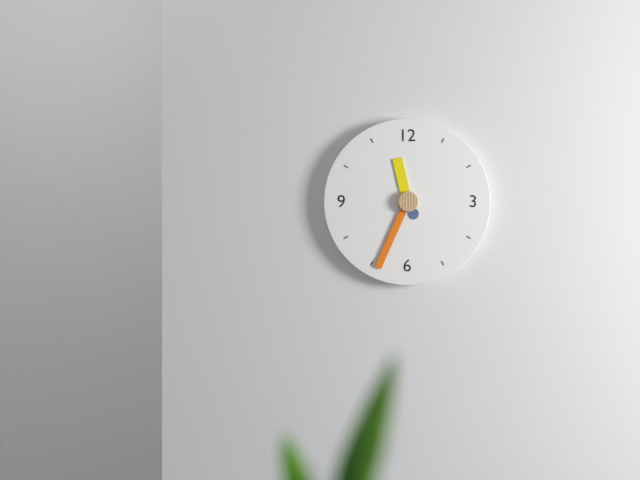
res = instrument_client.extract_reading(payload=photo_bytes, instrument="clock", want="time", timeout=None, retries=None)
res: 11:34
